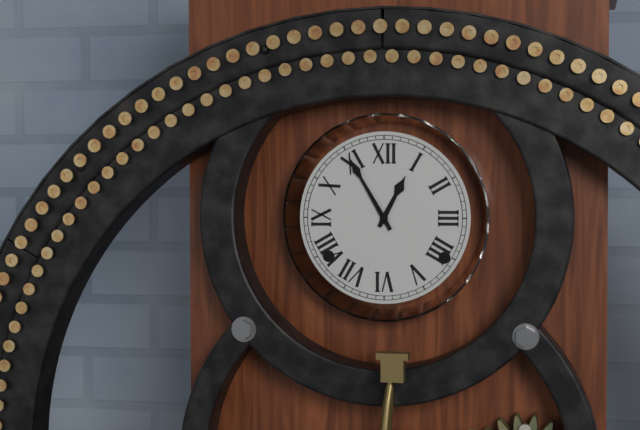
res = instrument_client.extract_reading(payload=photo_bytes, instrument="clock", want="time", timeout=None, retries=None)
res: 12:55
